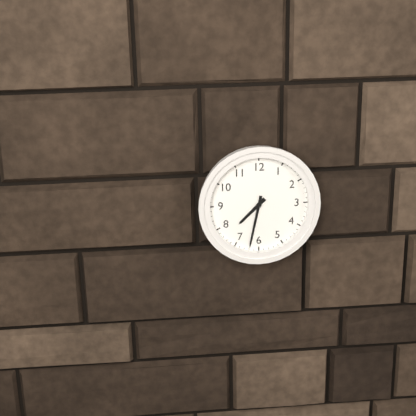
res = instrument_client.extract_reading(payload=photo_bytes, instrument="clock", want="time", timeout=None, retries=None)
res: 7:32
